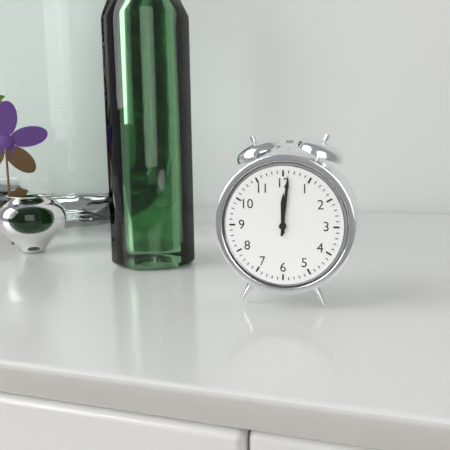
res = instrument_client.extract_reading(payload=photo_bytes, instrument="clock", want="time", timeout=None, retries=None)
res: 12:01
